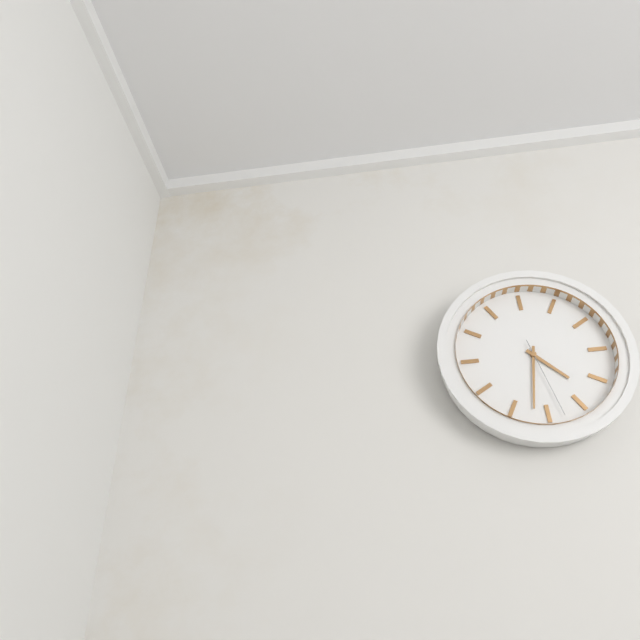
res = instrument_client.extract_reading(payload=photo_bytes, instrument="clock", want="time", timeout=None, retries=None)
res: 4:32:28
